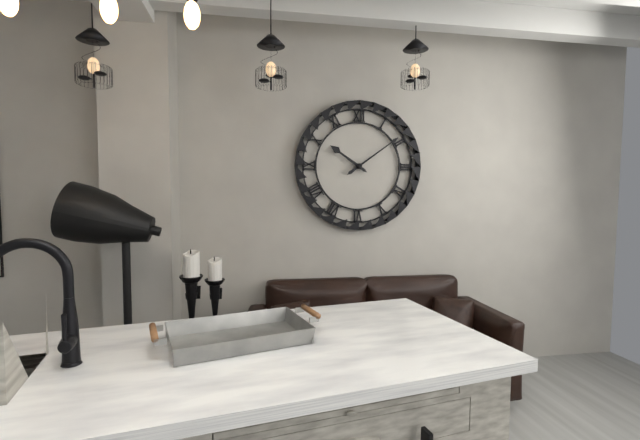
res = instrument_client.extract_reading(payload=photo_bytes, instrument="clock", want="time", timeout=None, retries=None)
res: 10:09
